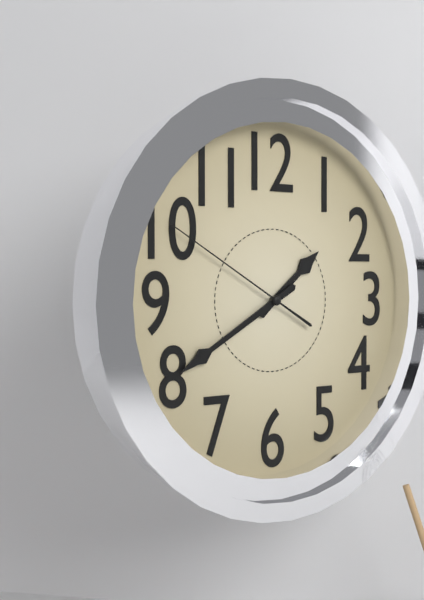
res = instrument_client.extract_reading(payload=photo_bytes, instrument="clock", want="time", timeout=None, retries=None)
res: 1:40:50
